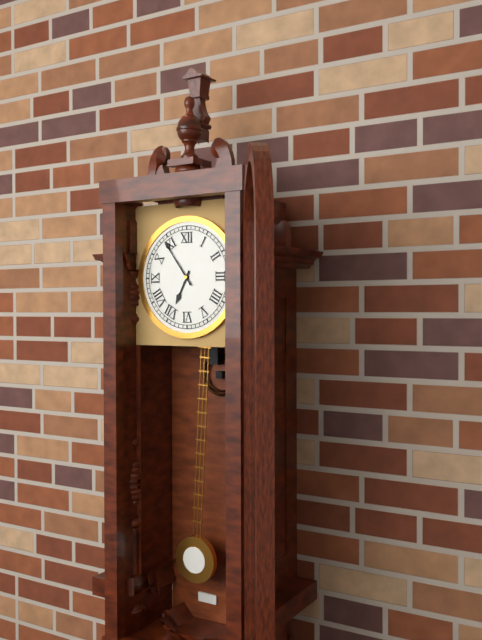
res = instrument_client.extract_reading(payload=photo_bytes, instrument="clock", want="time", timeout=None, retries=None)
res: 6:54
